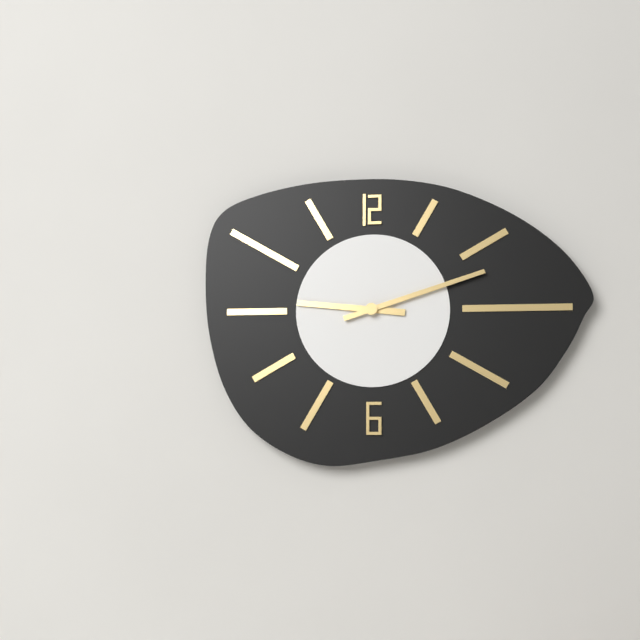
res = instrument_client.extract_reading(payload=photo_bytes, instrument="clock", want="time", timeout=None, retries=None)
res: 9:12
